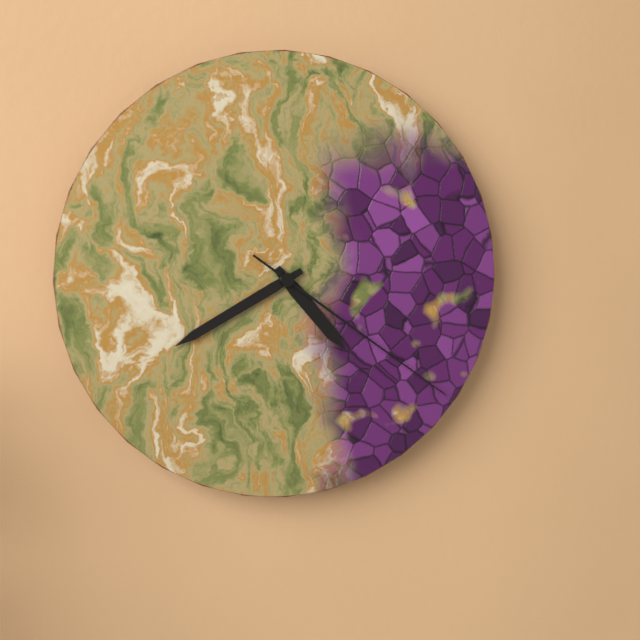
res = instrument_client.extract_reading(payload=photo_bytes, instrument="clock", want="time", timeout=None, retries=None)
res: 4:40:21
